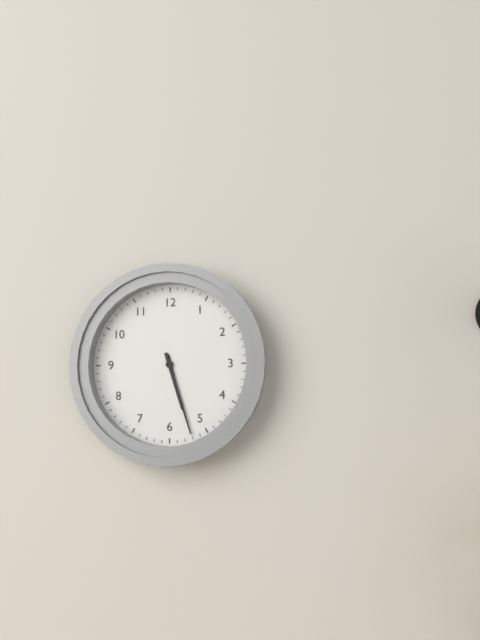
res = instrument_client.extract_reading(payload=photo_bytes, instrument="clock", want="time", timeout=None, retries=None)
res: 5:27
